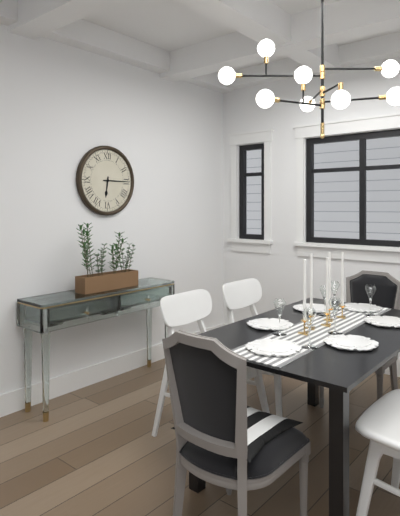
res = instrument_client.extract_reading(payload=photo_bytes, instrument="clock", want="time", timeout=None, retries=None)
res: 6:15
